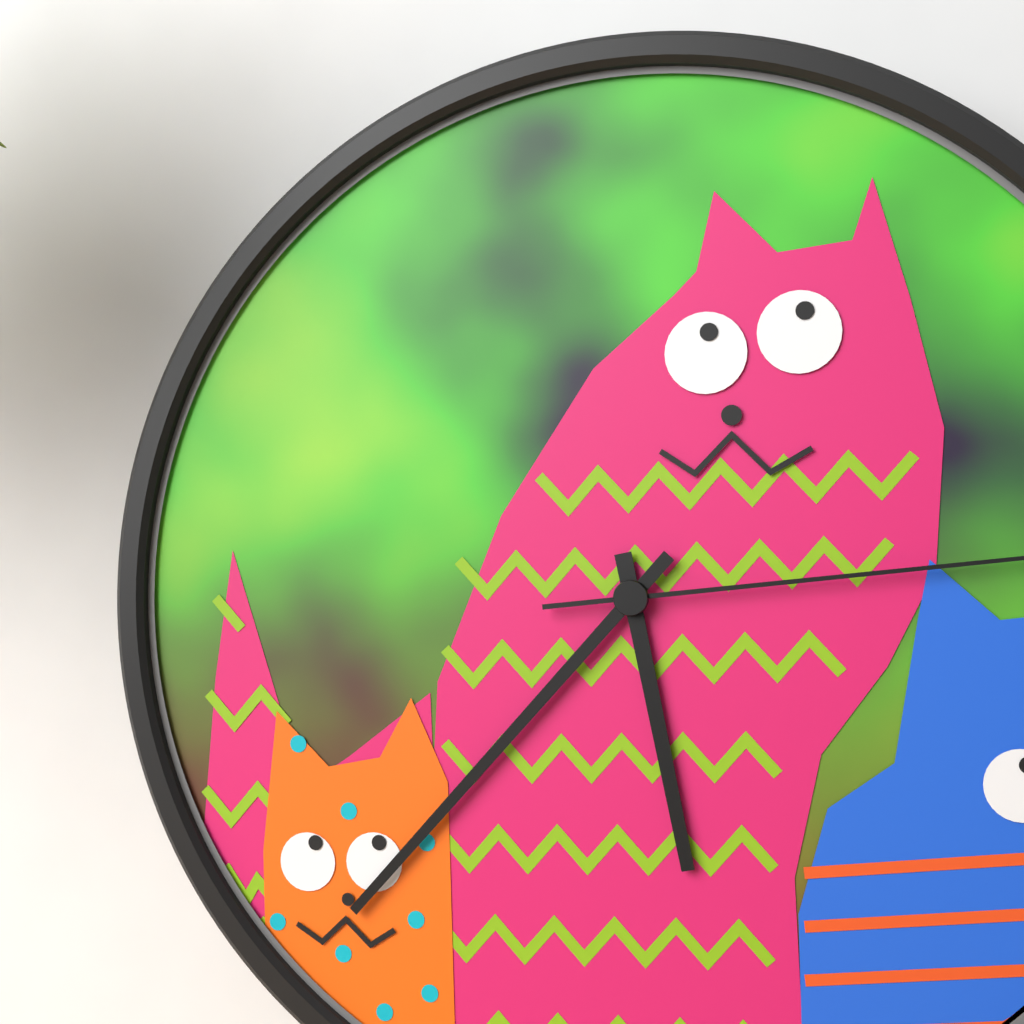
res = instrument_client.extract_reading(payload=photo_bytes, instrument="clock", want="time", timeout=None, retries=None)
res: 5:37
